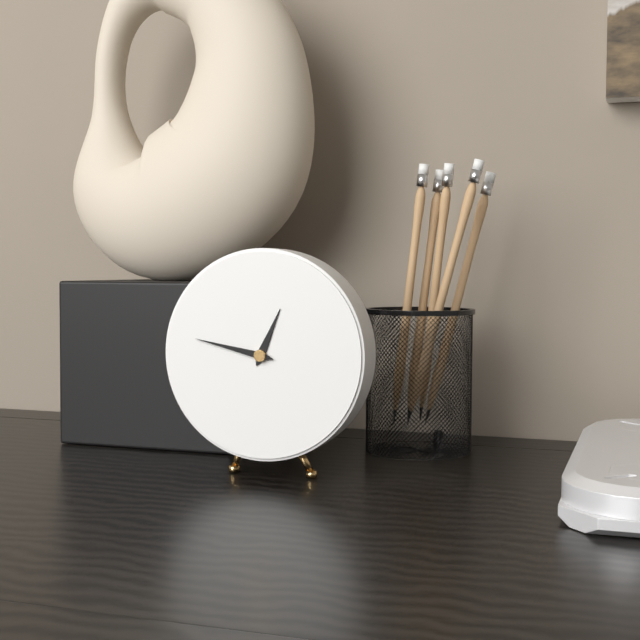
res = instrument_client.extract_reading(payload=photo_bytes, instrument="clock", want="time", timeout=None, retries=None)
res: 12:47
